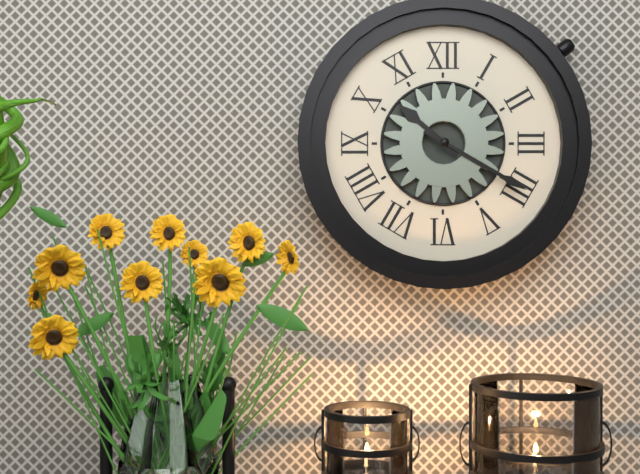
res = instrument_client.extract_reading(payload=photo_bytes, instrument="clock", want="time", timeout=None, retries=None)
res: 10:20
